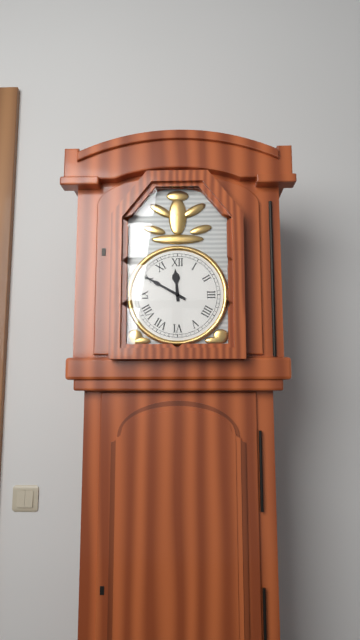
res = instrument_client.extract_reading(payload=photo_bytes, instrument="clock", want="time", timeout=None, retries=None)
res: 11:50
